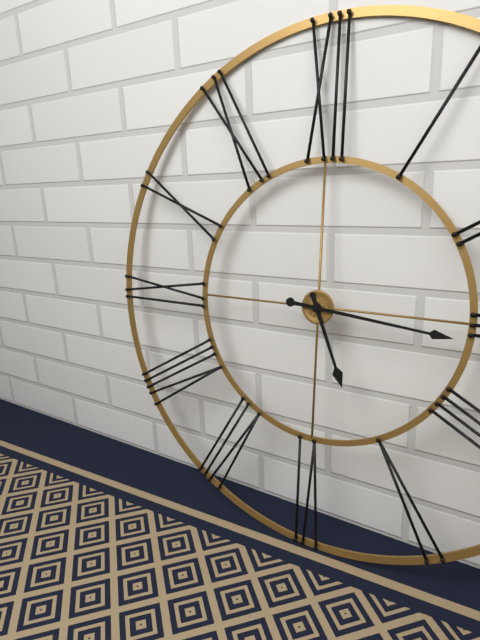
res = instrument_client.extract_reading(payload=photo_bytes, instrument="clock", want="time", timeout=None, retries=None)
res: 5:16
